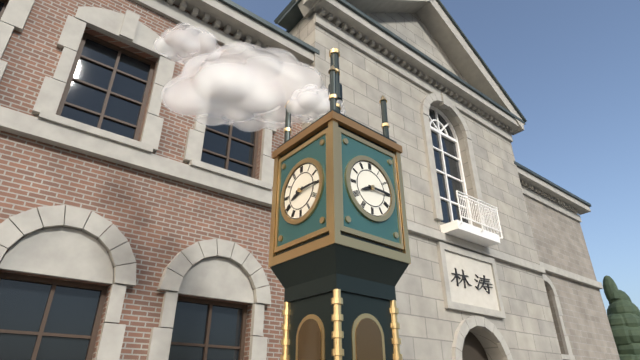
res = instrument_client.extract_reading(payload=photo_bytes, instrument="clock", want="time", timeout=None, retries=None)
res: 8:15
